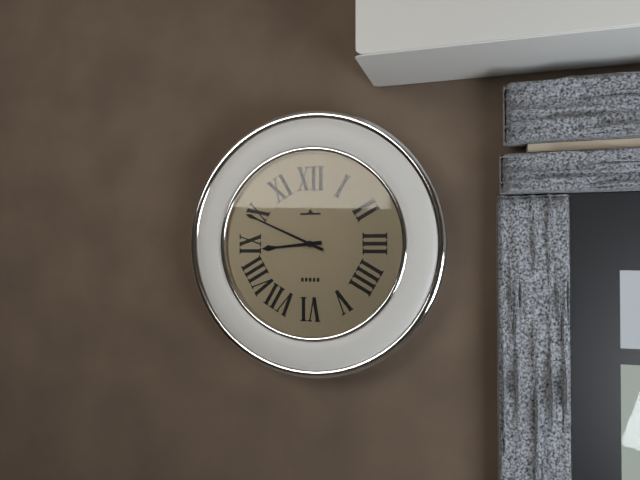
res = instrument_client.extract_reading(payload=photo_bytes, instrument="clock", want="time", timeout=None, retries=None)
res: 8:49
